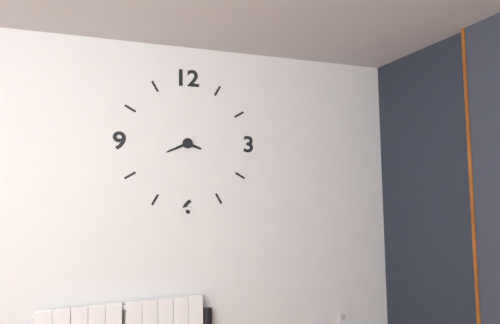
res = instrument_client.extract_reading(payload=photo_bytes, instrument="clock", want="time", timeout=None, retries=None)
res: 3:41
